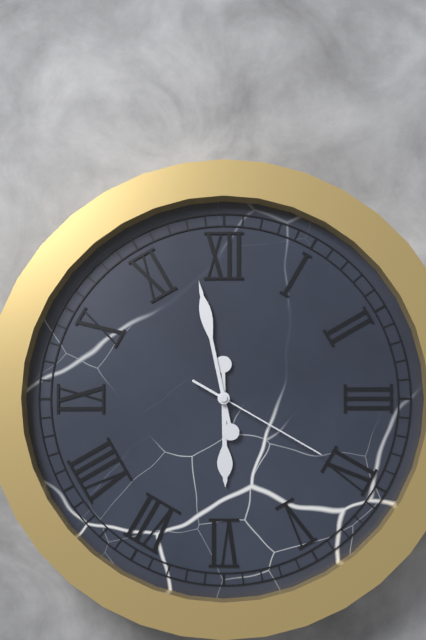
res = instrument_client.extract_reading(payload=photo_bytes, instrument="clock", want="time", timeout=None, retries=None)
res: 5:58:20
